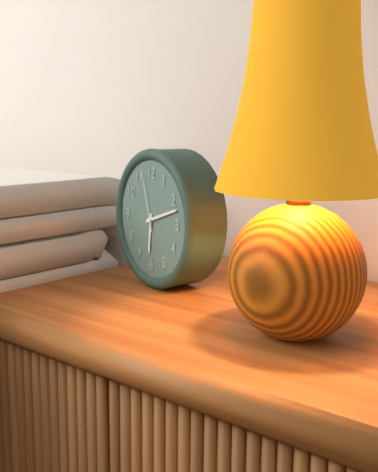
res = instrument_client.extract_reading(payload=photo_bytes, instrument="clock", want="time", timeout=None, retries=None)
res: 6:12:57
